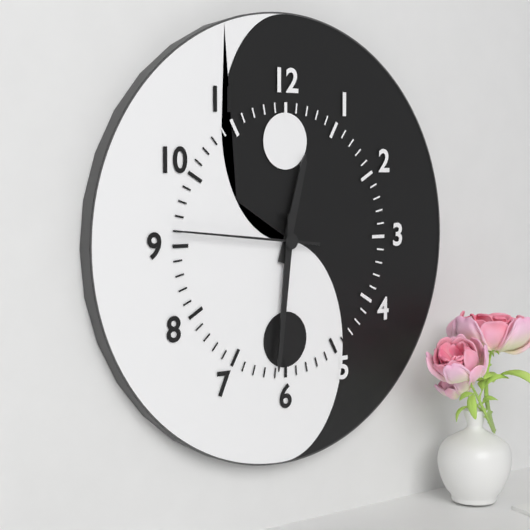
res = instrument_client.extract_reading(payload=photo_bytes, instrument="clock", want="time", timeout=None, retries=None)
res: 12:31:46
